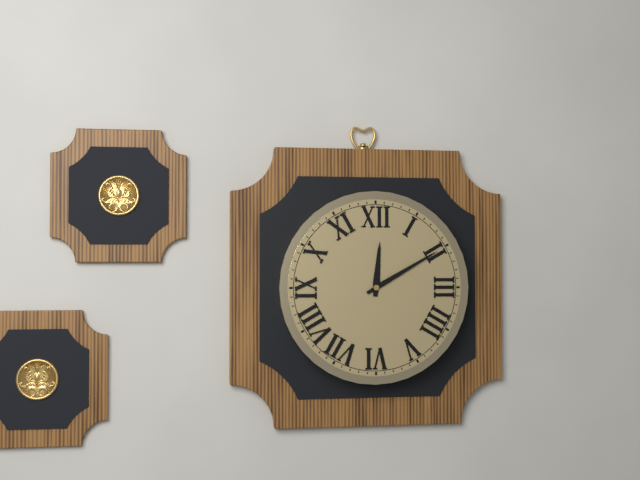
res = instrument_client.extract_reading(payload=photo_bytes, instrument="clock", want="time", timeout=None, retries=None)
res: 12:10
